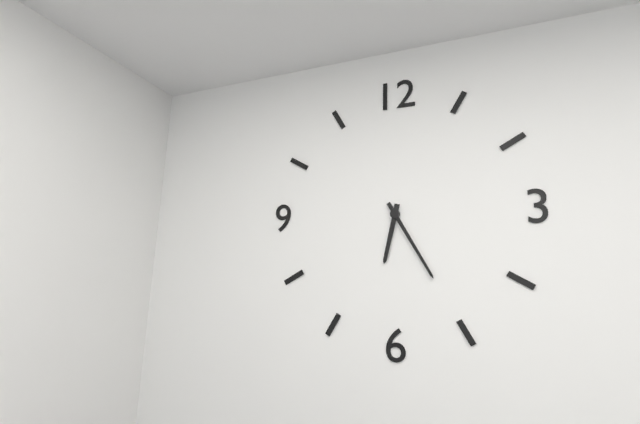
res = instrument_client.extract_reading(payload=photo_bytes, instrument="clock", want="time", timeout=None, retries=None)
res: 6:25
